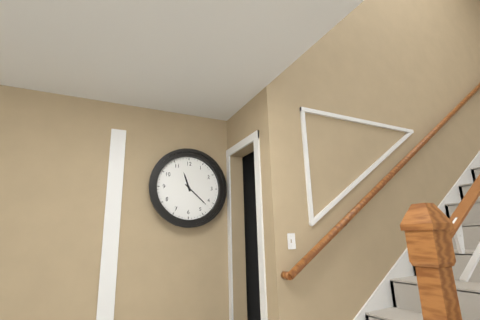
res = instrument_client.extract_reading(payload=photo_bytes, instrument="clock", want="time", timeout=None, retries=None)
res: 11:22
